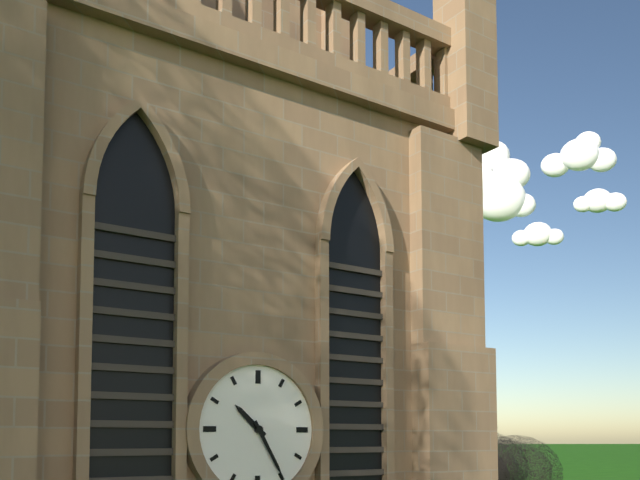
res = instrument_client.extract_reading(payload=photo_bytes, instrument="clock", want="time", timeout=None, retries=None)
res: 10:25
